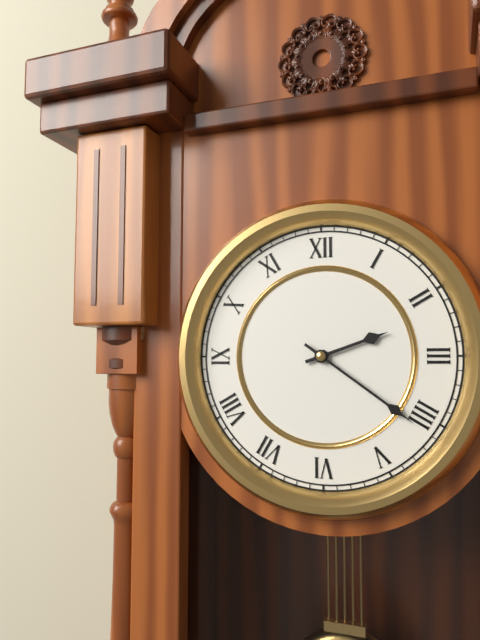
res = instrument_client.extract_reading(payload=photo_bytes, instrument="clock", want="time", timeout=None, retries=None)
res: 2:21
